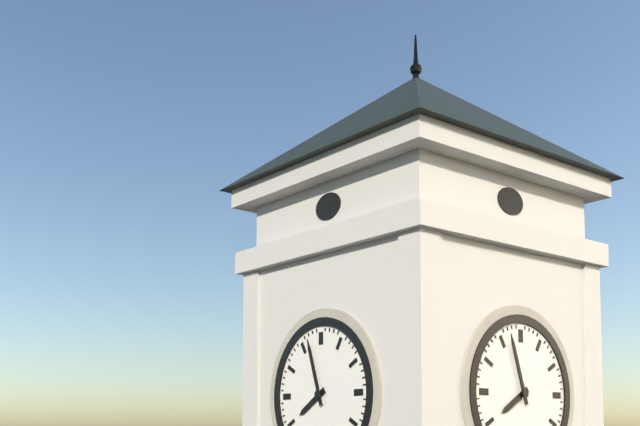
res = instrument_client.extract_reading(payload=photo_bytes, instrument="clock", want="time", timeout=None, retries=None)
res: 7:57
